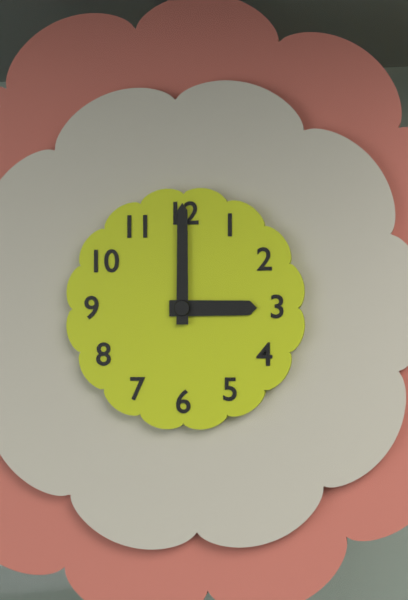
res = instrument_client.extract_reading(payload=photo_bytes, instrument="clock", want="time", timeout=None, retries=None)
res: 3:00
